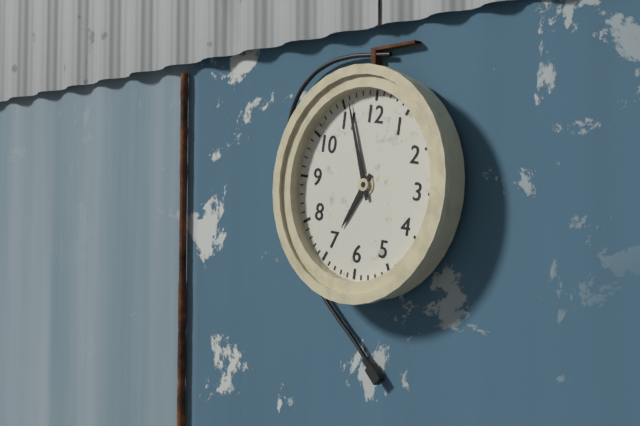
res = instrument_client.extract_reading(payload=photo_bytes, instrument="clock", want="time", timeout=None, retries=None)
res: 6:56
